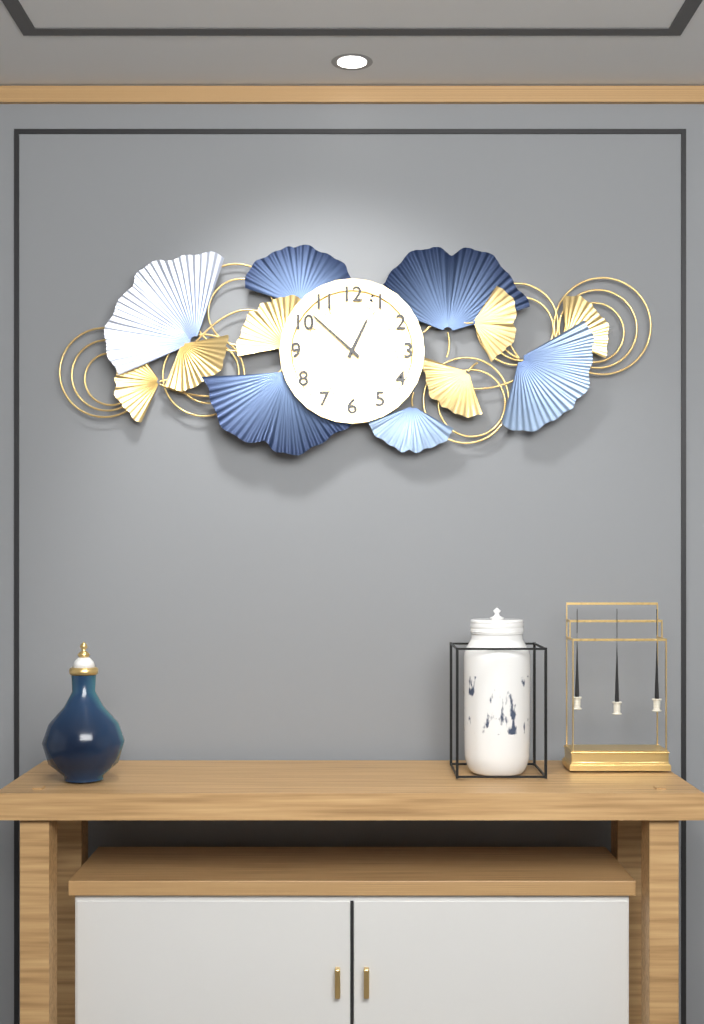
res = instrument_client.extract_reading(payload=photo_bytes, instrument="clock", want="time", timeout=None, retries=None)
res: 12:52
